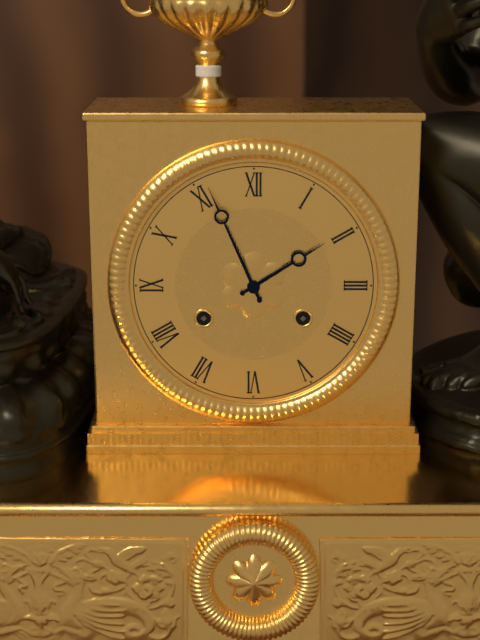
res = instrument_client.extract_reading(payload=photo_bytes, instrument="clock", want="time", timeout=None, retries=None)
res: 1:56
